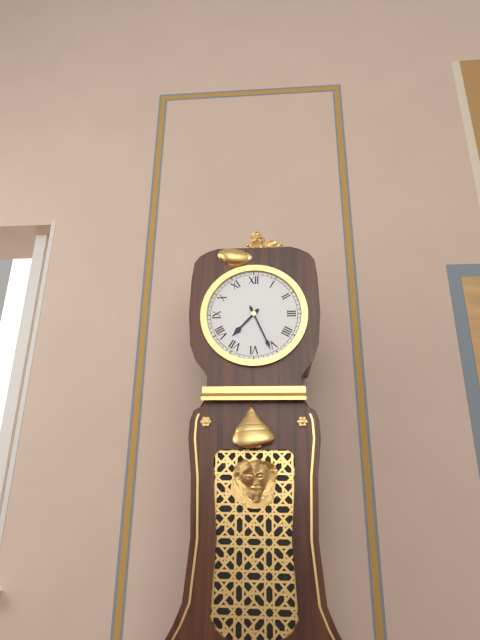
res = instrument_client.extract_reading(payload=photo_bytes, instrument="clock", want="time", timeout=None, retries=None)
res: 7:26
